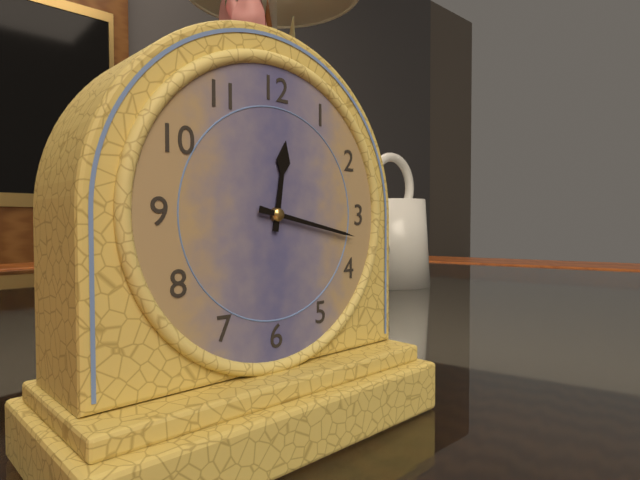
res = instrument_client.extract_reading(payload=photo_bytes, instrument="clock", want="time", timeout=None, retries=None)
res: 12:17
